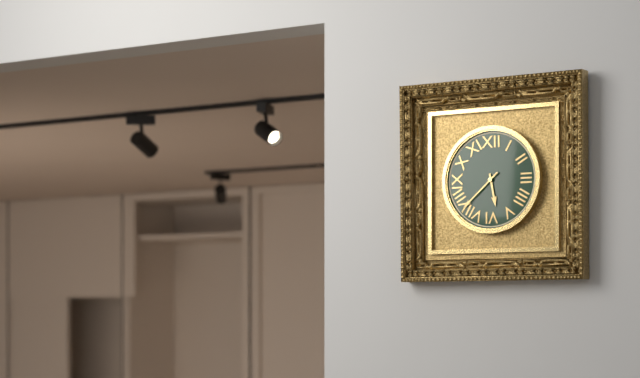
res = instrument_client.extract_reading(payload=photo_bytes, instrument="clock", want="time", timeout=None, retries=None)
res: 5:38
